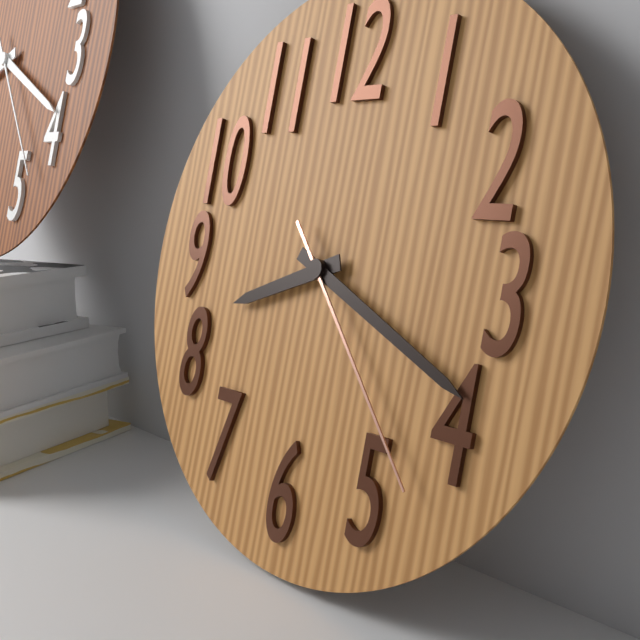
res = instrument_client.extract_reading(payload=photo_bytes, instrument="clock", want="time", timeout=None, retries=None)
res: 8:19:23
